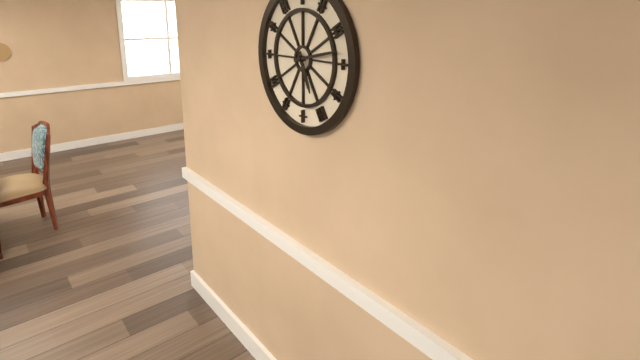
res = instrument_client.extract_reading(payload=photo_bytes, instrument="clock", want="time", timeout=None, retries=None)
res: 5:13
